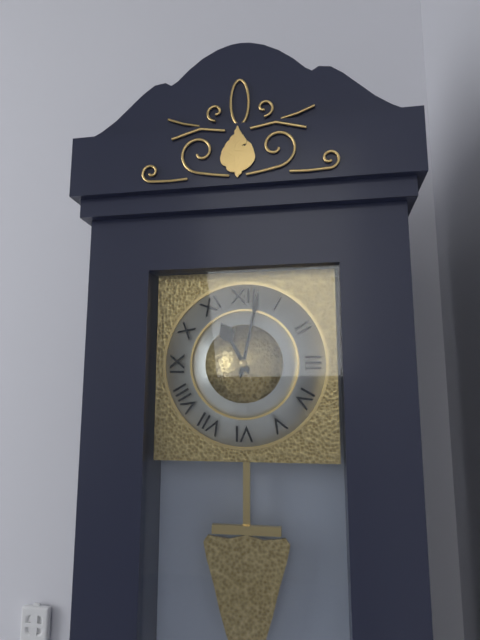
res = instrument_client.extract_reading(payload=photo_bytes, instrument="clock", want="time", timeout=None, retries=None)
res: 11:02
